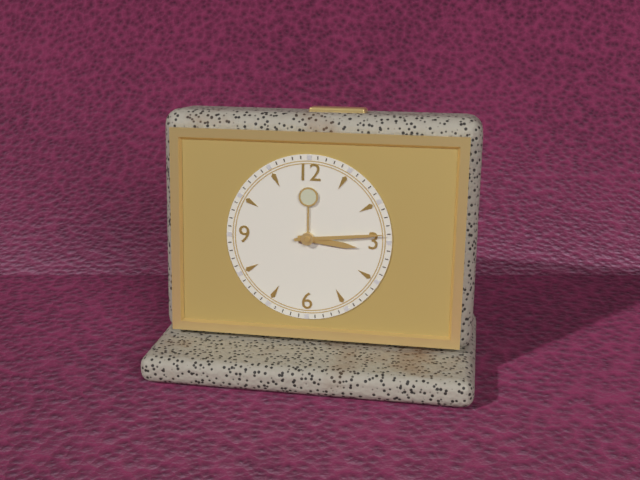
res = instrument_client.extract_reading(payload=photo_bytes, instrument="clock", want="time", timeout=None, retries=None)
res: 3:14
